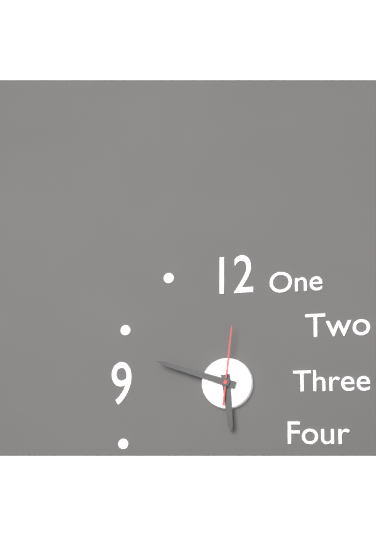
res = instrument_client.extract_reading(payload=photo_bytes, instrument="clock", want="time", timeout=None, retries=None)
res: 5:48:01
